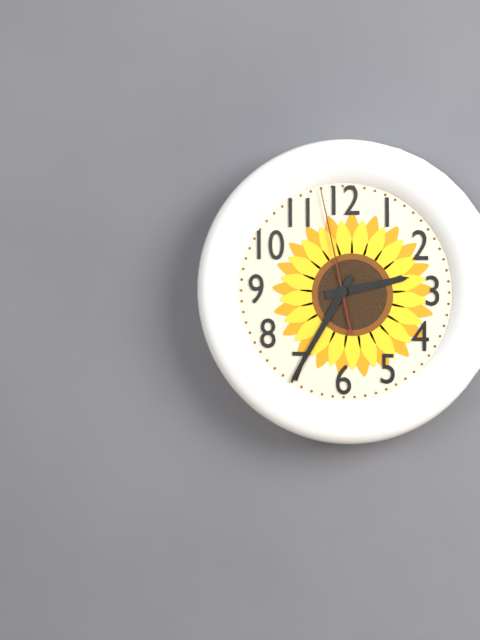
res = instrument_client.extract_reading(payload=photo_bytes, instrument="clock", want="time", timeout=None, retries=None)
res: 2:35:58
